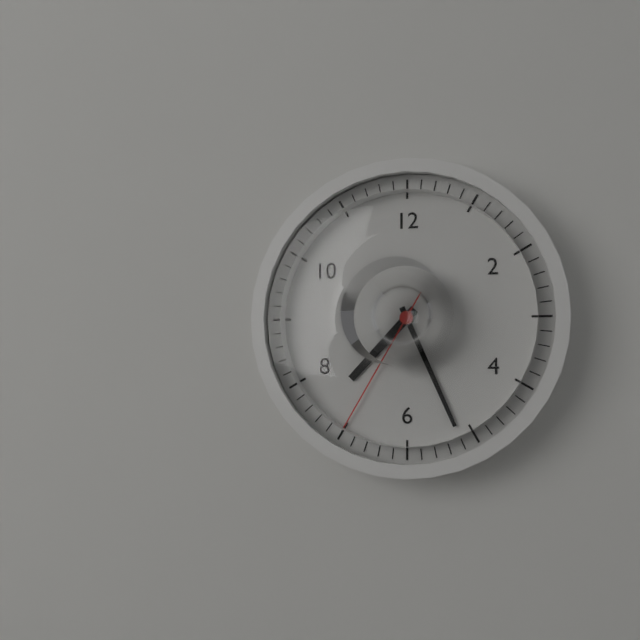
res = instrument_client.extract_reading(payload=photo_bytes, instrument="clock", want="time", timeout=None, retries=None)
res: 7:26:35
